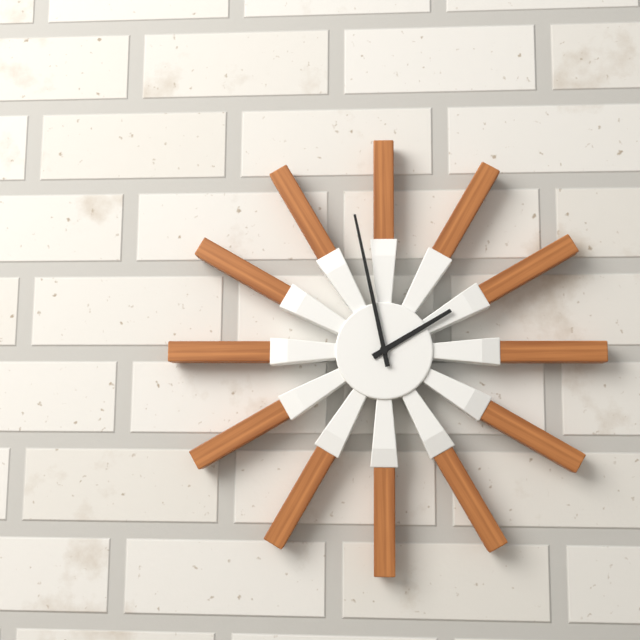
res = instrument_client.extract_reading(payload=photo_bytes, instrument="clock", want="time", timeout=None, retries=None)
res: 1:58
